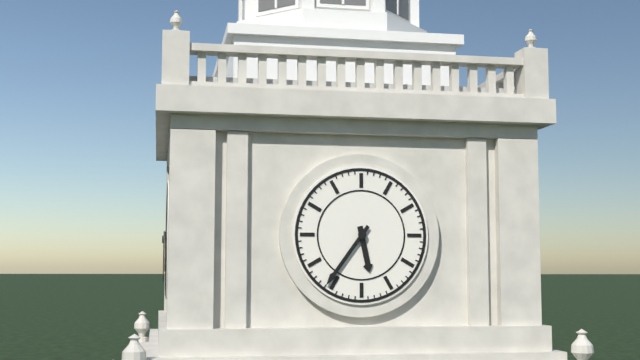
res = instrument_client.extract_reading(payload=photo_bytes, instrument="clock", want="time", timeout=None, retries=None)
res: 5:36
